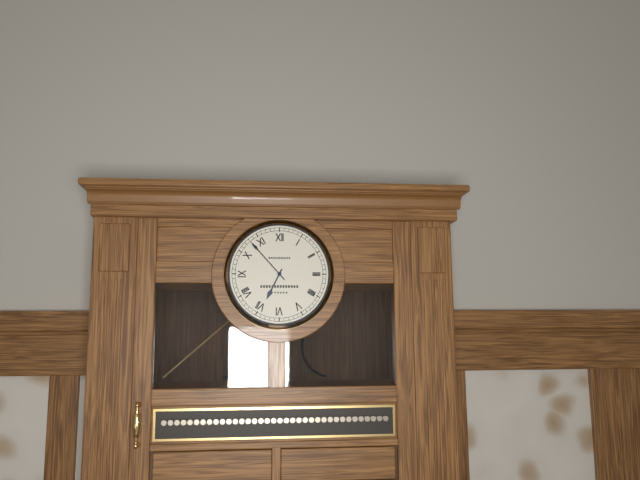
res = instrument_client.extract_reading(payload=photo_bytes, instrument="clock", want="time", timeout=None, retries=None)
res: 6:53
